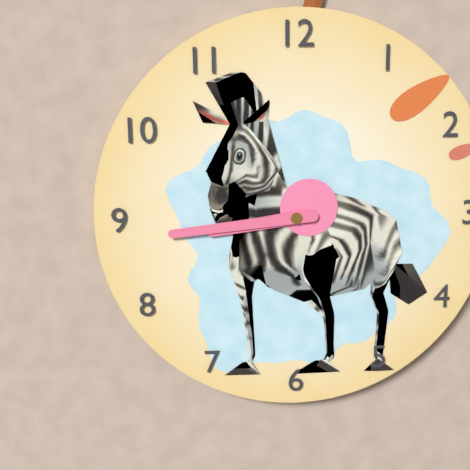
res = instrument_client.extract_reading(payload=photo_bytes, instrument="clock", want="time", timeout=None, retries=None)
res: 8:44
